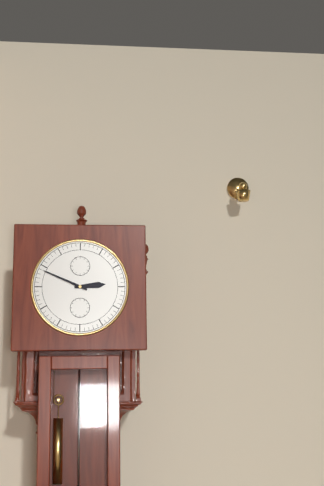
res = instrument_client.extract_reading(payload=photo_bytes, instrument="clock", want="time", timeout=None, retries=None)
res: 2:49
